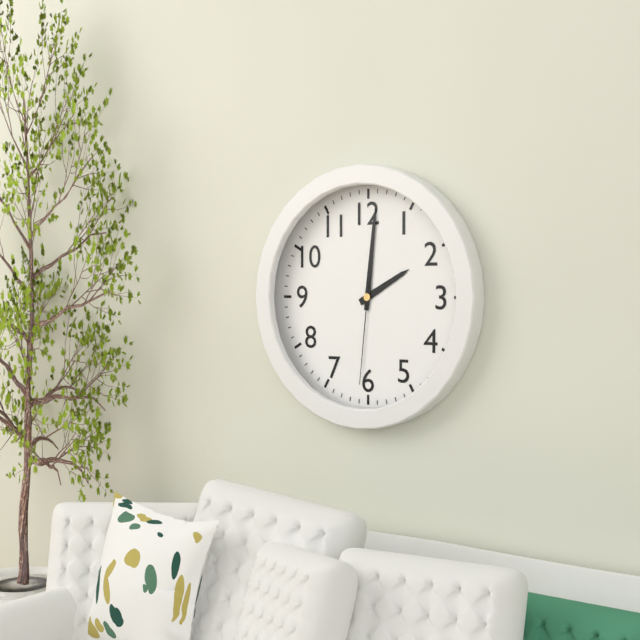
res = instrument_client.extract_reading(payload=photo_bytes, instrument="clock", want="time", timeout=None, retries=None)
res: 2:01:31
